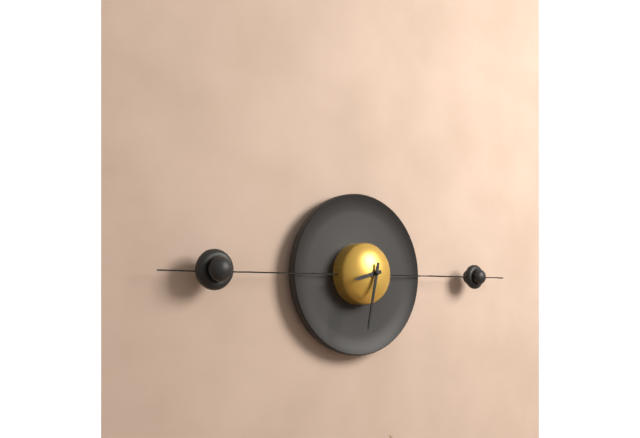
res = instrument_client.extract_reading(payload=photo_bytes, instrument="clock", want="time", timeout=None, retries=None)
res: 8:32
